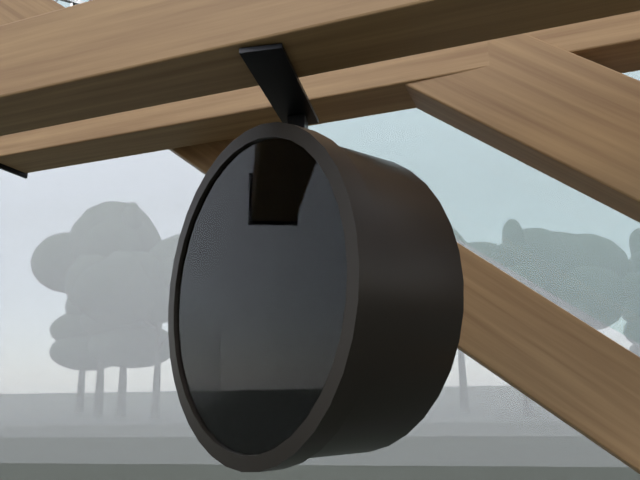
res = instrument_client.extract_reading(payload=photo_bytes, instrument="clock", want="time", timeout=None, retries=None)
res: 6:37
